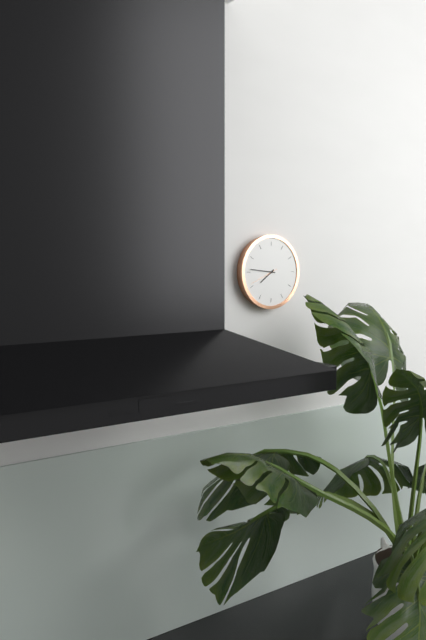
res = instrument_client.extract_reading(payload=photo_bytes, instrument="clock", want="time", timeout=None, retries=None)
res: 7:46
